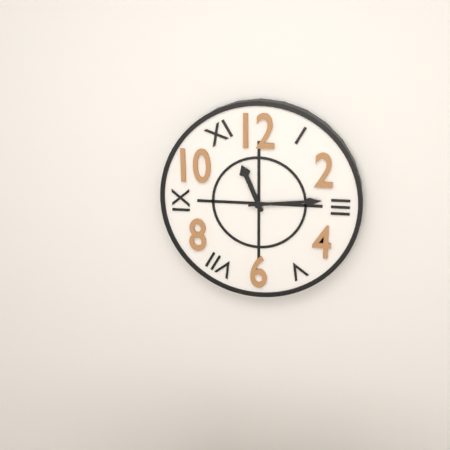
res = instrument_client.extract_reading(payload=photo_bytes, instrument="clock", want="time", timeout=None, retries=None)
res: 11:14
